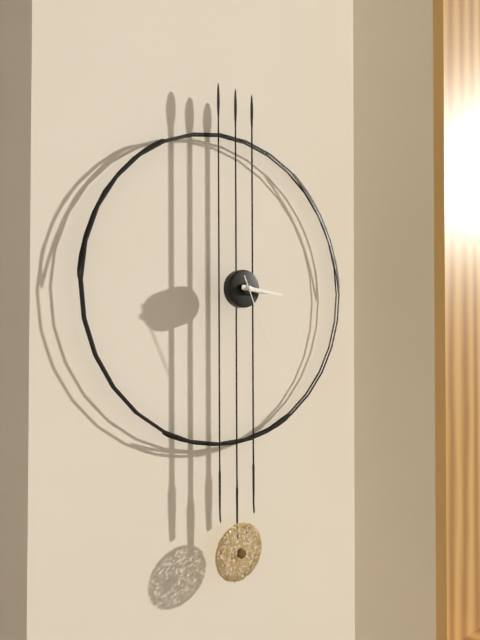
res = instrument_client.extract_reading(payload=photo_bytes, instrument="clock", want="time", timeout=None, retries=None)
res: 3:16:26
